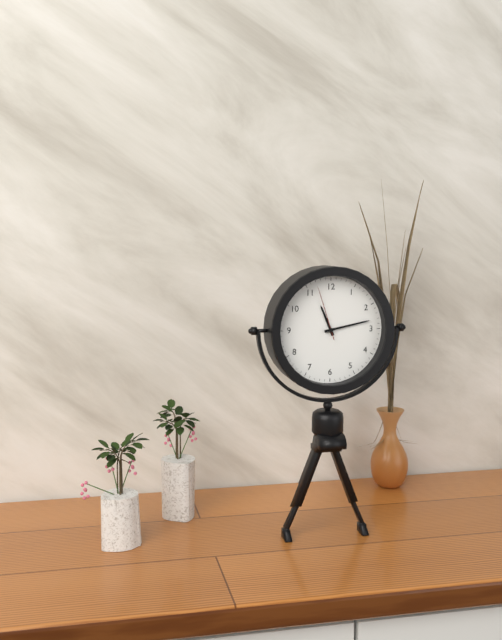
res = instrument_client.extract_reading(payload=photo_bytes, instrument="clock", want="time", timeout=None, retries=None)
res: 11:13:57
